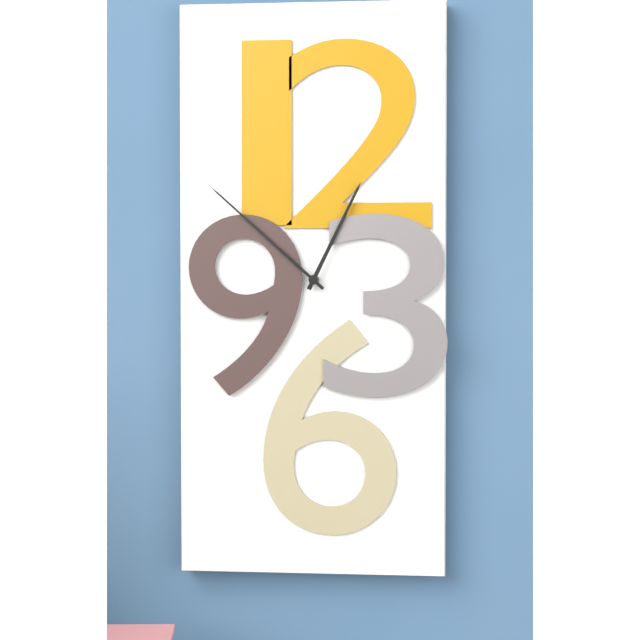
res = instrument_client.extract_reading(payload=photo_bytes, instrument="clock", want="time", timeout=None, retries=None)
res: 12:52
